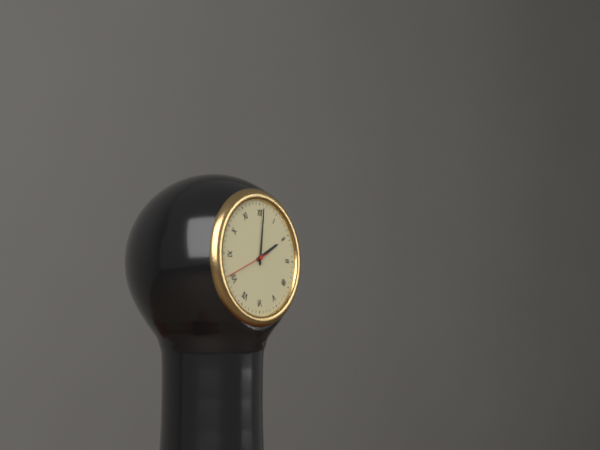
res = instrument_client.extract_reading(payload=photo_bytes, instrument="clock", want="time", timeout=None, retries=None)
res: 2:01
